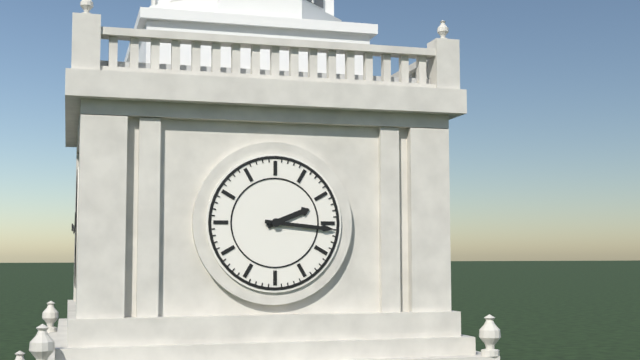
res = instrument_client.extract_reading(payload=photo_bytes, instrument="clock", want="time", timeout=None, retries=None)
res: 2:16
